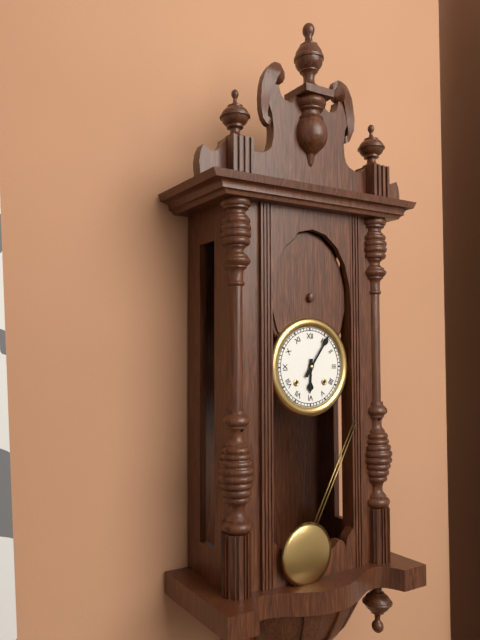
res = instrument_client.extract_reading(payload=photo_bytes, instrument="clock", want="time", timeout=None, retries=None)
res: 6:06
